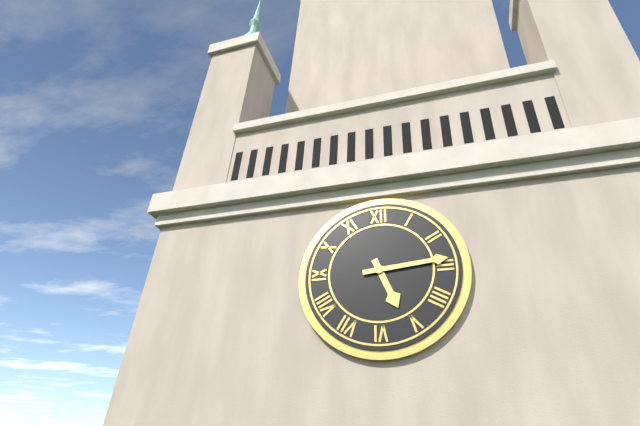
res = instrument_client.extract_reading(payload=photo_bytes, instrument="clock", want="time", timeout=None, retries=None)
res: 5:14
